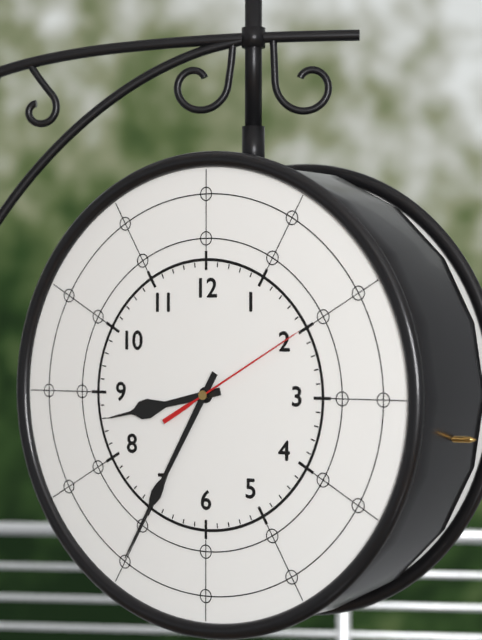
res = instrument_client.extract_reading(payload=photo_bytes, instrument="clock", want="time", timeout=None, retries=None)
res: 8:35:10
